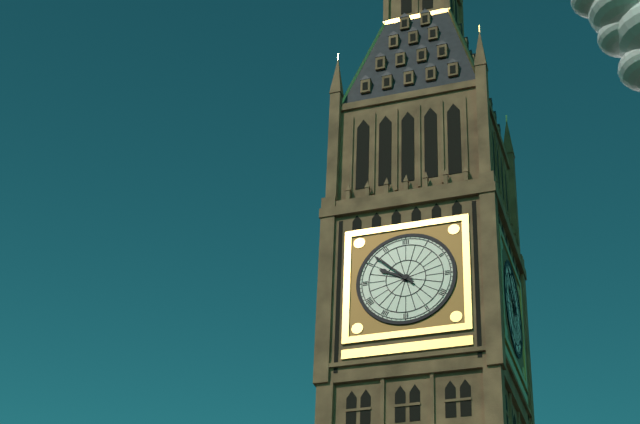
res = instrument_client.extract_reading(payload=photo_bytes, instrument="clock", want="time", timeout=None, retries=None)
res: 9:52
